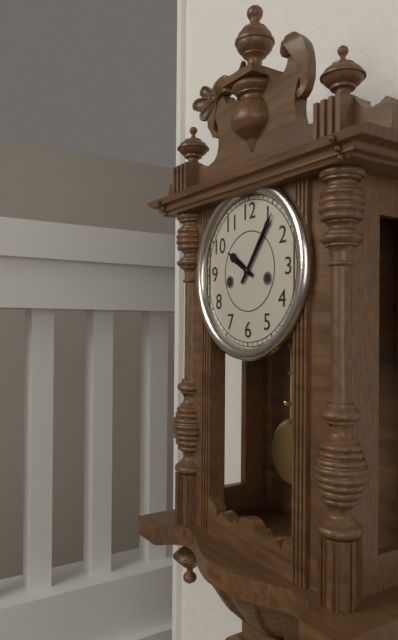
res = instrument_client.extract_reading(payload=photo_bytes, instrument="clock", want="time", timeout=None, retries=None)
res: 10:06
